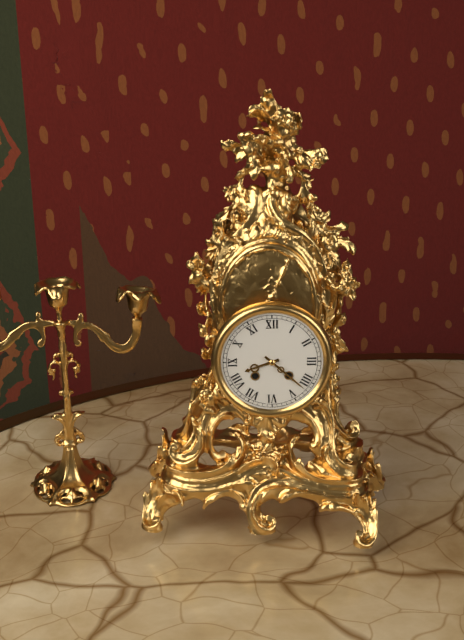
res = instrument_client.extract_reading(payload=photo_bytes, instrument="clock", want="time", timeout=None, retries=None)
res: 8:22
